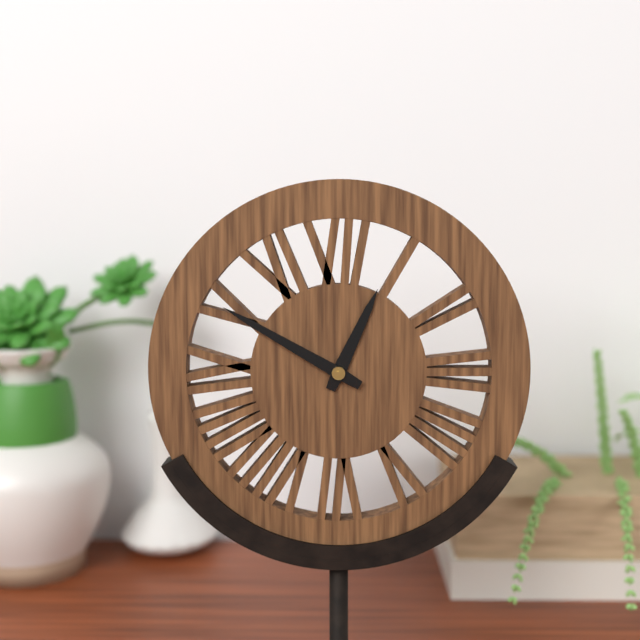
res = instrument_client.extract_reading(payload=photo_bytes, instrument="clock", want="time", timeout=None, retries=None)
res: 12:50
